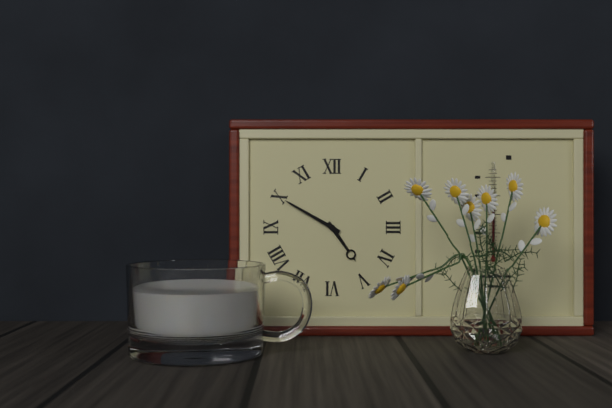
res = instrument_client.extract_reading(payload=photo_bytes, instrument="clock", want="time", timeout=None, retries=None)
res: 4:50
